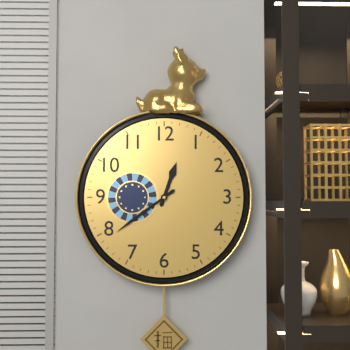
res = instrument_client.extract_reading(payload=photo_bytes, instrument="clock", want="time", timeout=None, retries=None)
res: 12:39
